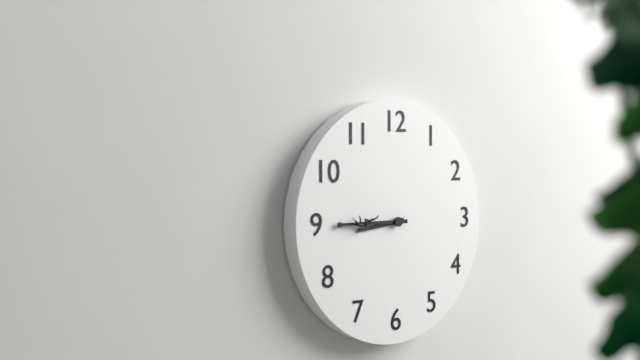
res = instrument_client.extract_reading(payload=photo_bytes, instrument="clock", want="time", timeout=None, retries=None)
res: 8:45
